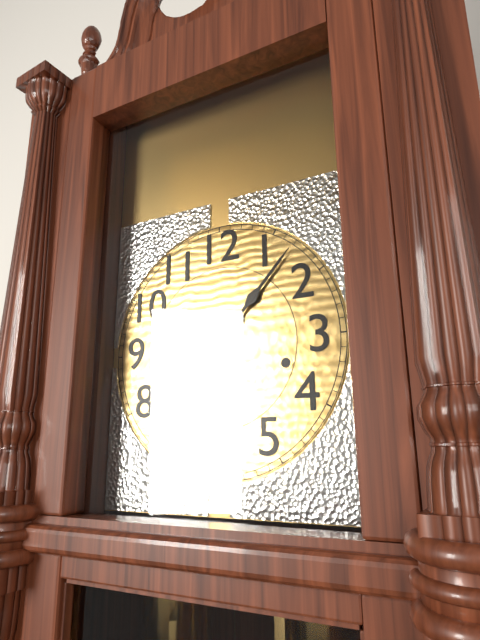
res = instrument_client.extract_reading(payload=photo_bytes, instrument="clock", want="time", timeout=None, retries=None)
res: 8:07
